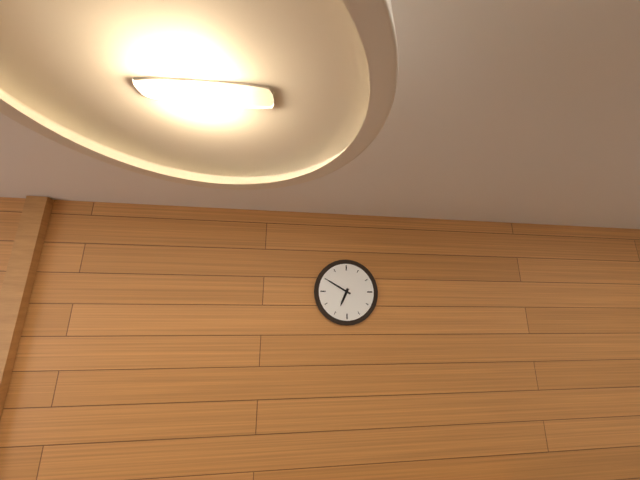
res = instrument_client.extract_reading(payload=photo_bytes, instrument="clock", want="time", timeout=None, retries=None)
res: 6:50
